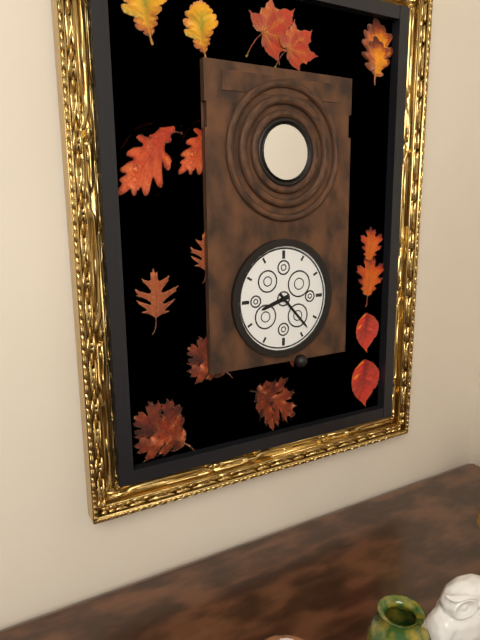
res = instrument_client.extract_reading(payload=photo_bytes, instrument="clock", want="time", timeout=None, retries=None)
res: 8:23
